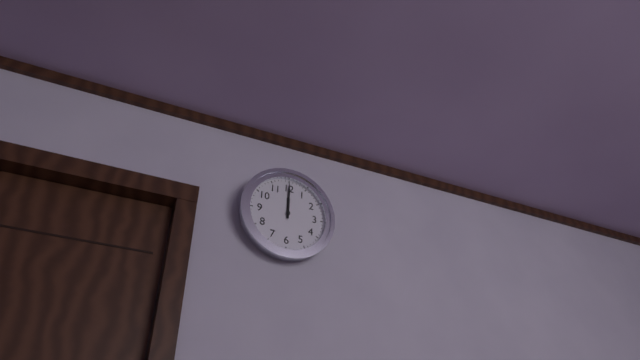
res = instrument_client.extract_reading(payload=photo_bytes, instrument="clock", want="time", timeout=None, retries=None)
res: 12:00
